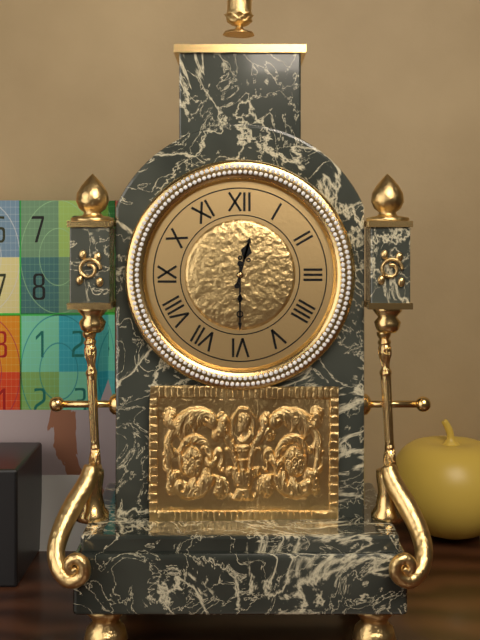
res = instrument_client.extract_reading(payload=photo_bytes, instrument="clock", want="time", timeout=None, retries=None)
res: 12:30
